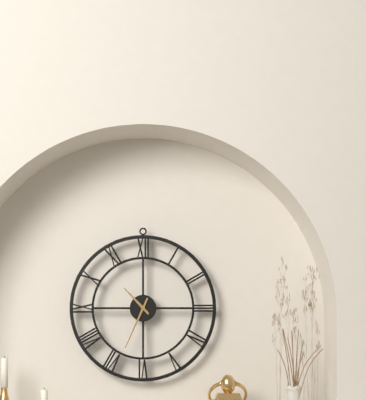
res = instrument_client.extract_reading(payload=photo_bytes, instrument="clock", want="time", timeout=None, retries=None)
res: 10:34
